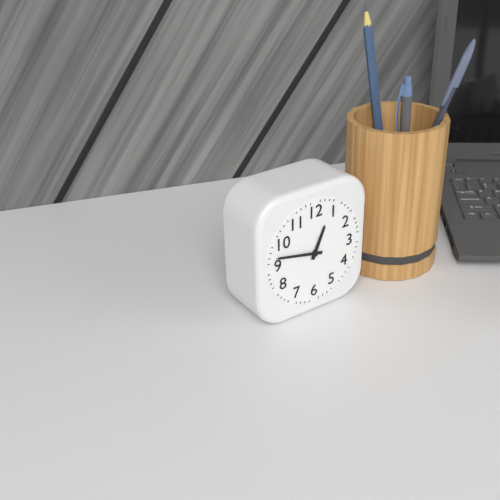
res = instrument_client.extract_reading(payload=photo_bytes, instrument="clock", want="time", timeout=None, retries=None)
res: 12:47
